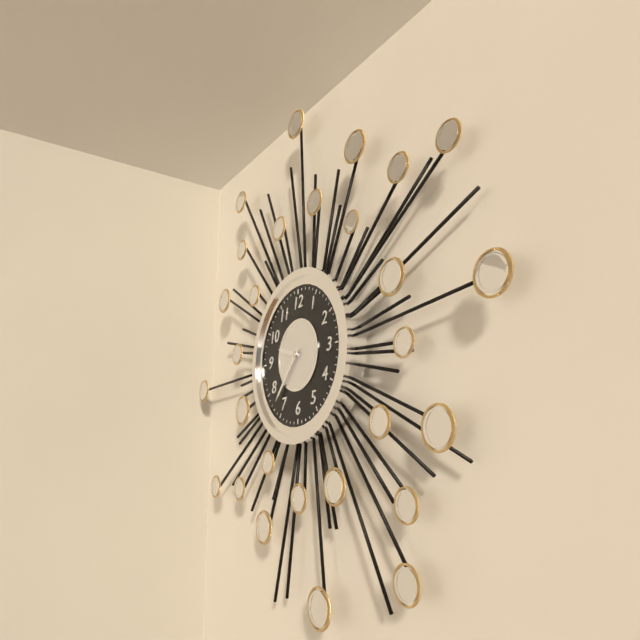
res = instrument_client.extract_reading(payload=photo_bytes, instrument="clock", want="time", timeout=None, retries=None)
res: 9:37
